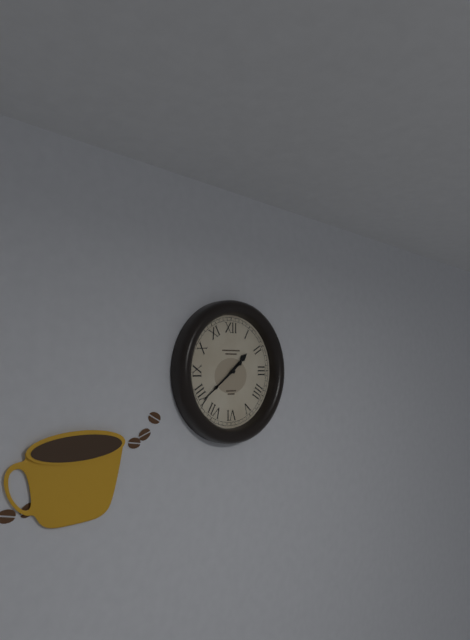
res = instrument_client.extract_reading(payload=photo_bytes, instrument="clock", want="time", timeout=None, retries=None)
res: 1:39
